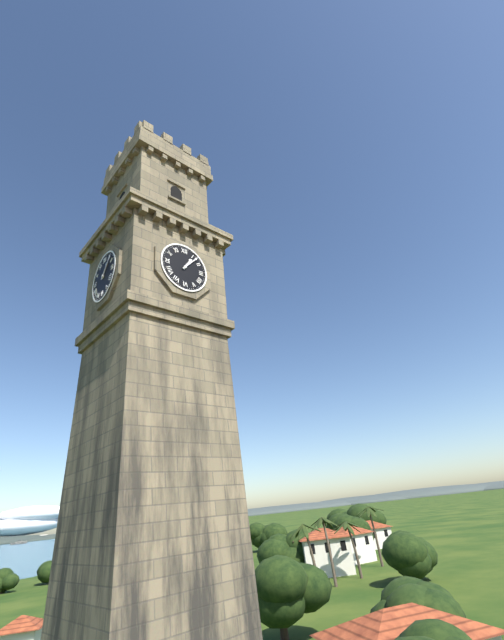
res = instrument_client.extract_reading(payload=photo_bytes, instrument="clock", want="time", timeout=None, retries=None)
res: 1:07
